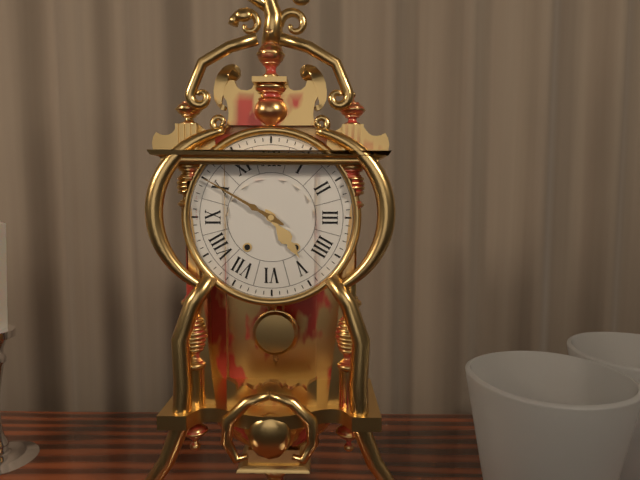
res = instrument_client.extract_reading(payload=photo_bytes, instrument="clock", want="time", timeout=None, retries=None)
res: 4:50
